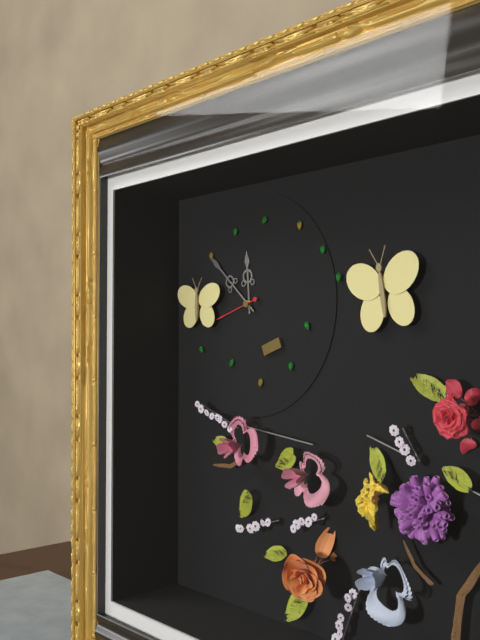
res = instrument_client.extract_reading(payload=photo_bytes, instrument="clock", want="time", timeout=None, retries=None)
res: 11:52
